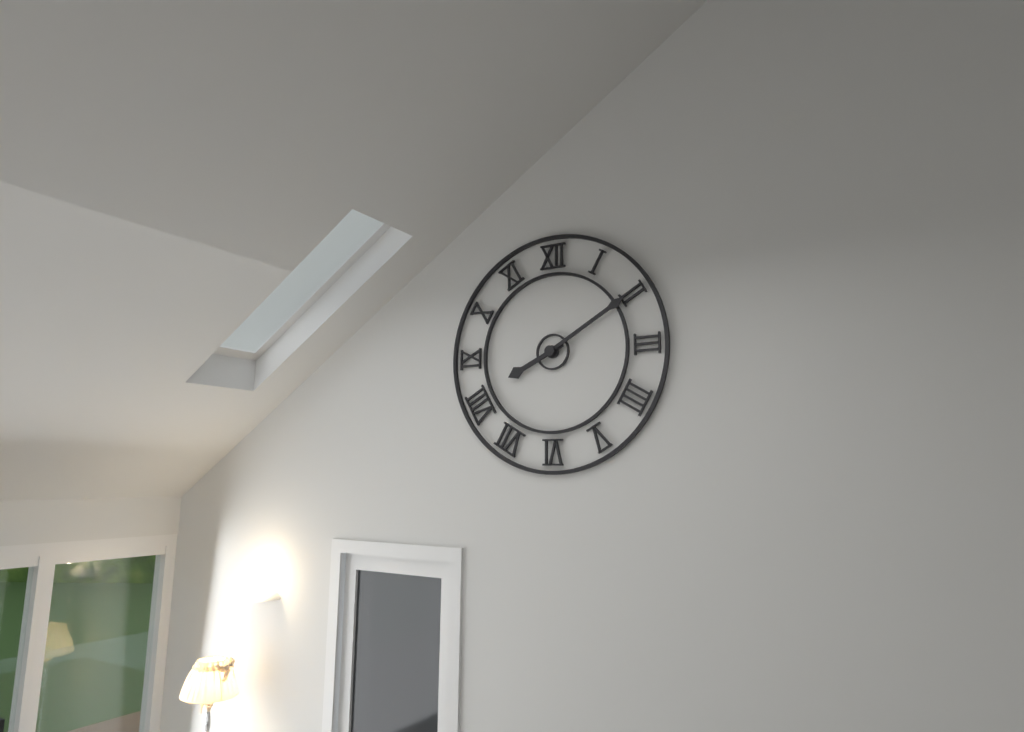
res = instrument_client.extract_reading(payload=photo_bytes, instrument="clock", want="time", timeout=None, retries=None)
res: 8:10
